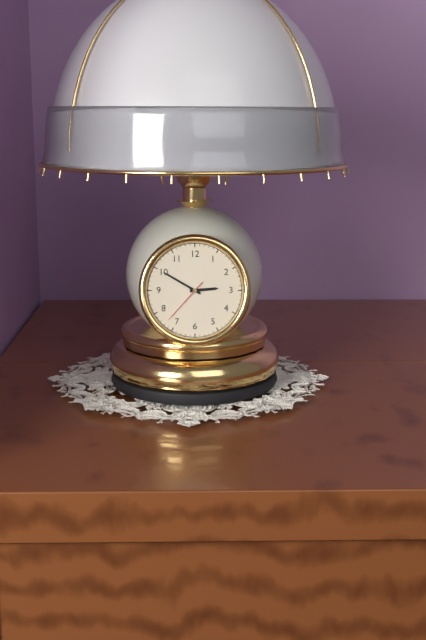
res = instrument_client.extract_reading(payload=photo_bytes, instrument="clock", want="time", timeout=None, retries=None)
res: 2:50:37
